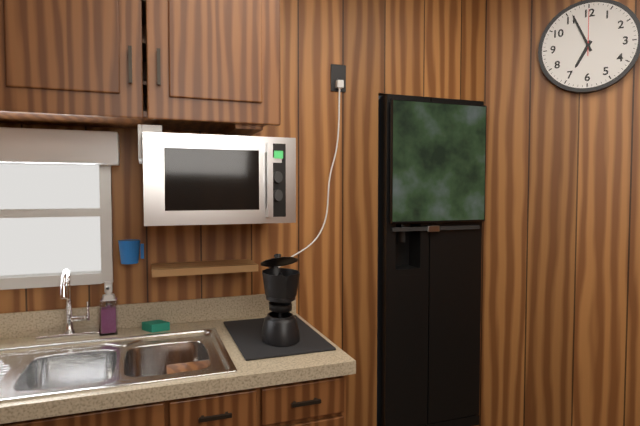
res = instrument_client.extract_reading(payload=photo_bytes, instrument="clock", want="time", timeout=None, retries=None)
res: 6:56:00
